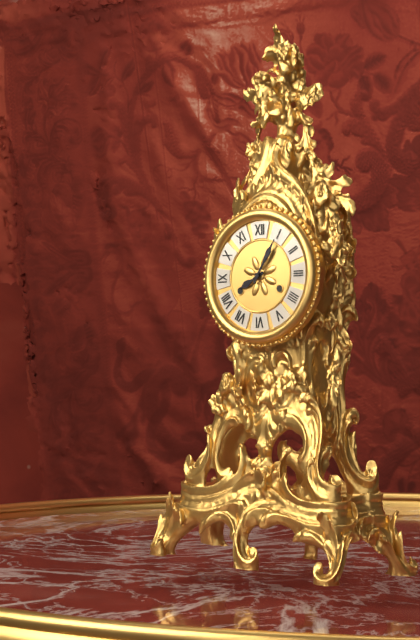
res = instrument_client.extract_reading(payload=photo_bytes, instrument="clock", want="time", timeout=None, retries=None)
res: 8:05
